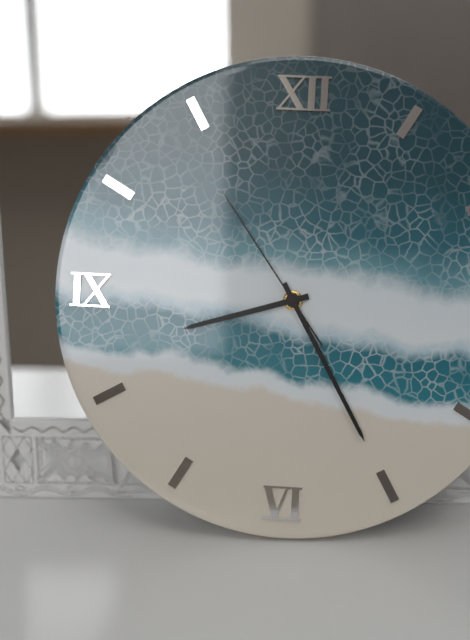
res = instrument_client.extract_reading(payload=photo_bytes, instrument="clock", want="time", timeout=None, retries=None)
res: 8:25:54
